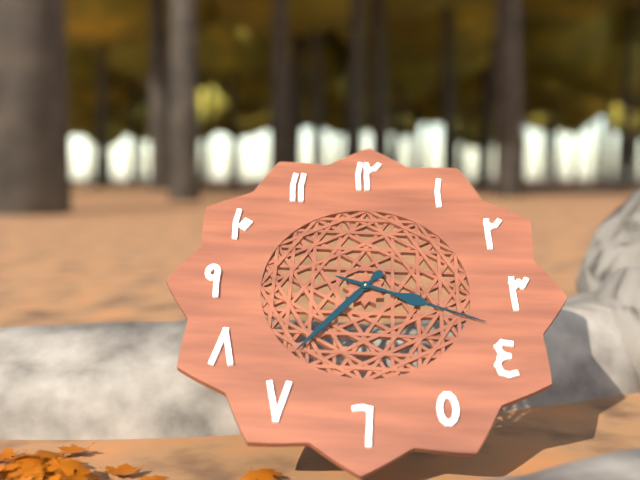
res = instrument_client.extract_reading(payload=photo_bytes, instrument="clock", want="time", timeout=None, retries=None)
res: 7:18
